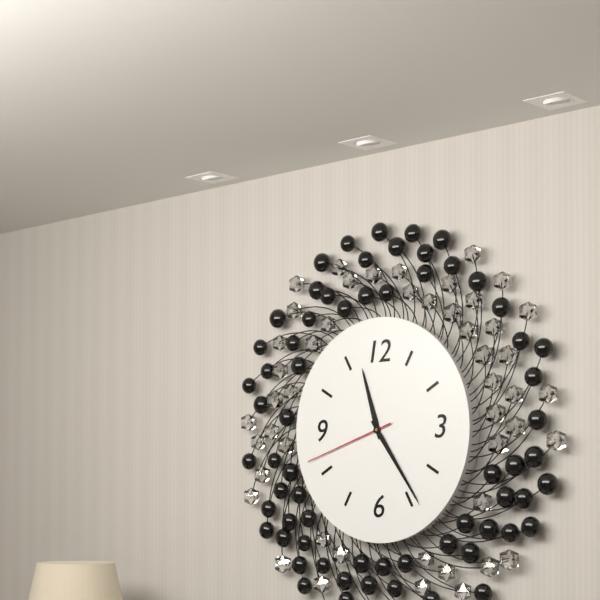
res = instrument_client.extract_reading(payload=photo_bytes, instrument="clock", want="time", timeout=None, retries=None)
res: 11:24:42
